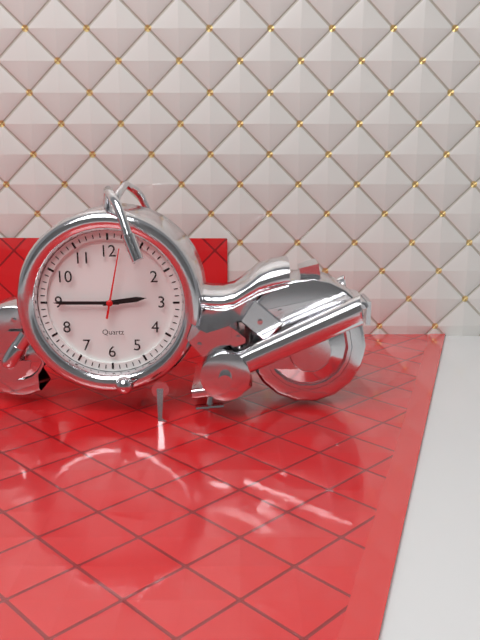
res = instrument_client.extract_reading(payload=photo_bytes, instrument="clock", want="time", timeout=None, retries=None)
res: 2:45:02
